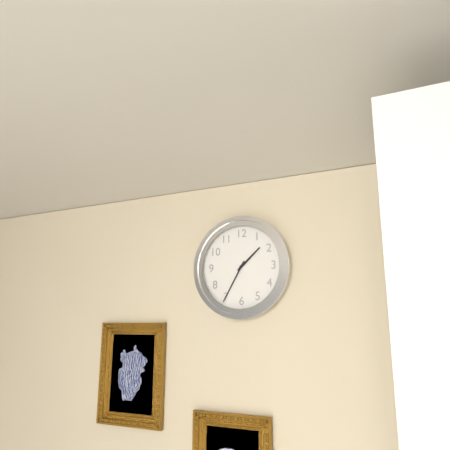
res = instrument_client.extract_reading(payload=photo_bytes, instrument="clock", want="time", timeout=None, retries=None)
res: 1:35
